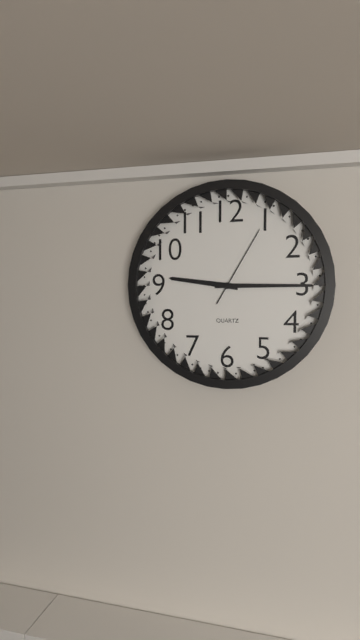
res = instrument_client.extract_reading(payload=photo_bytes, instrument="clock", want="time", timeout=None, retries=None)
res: 9:15:05
